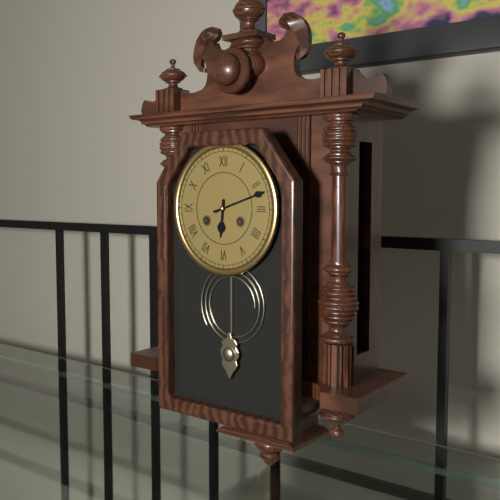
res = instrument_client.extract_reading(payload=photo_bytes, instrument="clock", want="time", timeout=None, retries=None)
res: 6:12
